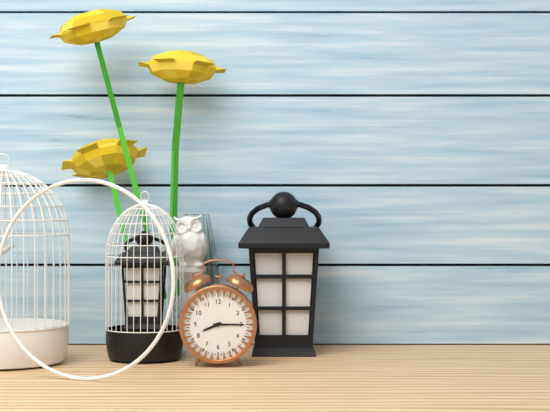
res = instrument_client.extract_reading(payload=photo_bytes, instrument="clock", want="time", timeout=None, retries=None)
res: 8:15
